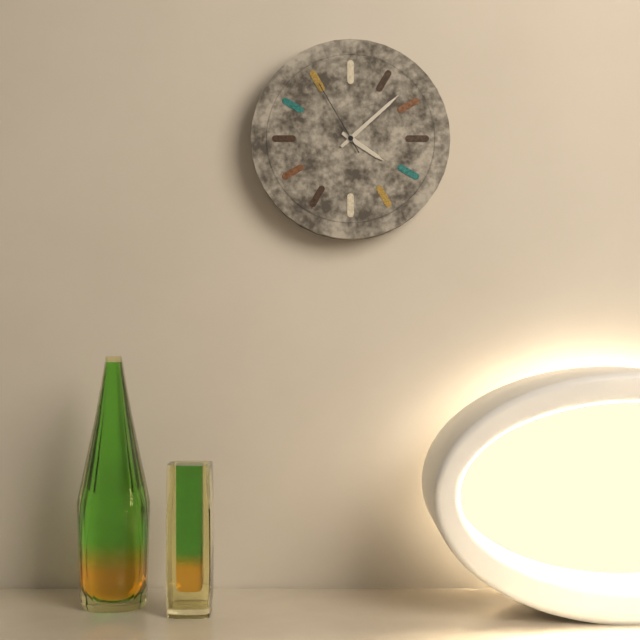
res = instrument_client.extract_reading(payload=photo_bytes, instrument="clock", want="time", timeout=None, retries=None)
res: 4:08:55
